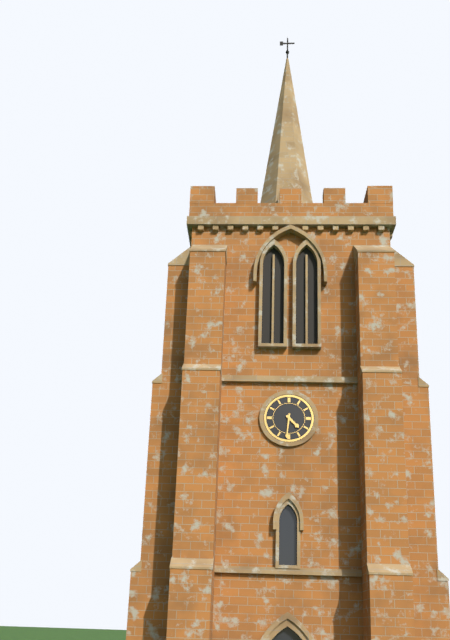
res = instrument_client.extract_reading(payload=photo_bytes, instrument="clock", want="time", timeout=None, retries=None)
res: 4:31
